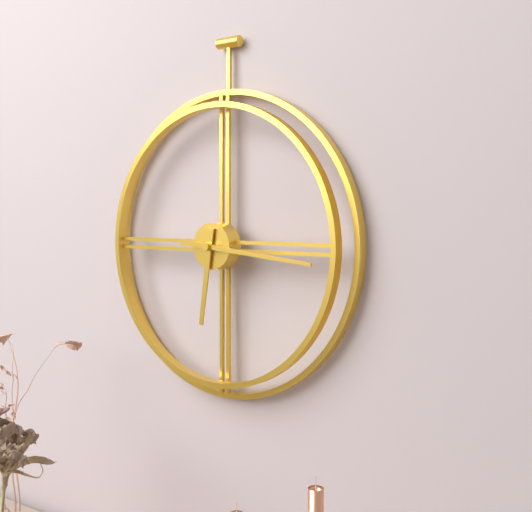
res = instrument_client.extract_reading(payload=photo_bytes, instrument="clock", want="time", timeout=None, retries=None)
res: 6:16
